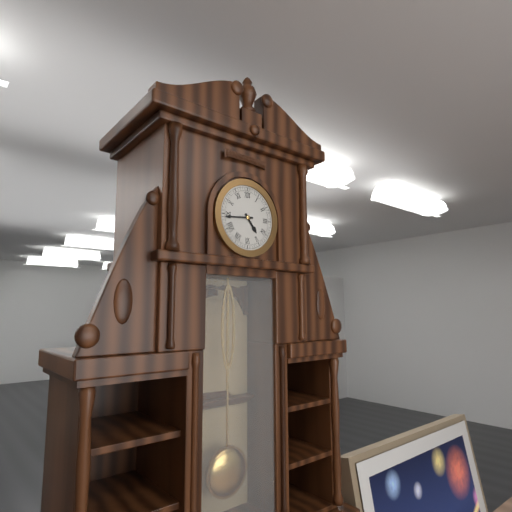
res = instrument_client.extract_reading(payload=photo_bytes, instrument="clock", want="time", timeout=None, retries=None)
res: 4:44
